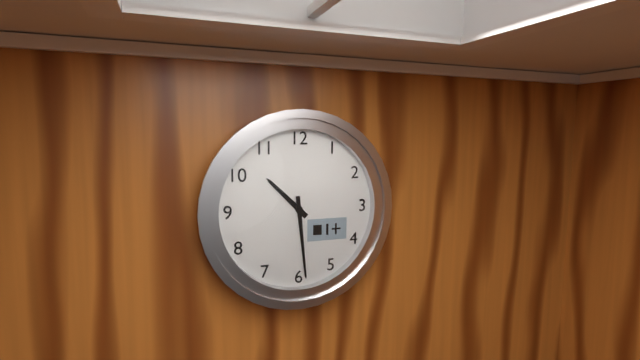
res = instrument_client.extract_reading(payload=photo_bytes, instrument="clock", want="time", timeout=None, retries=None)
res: 10:29
